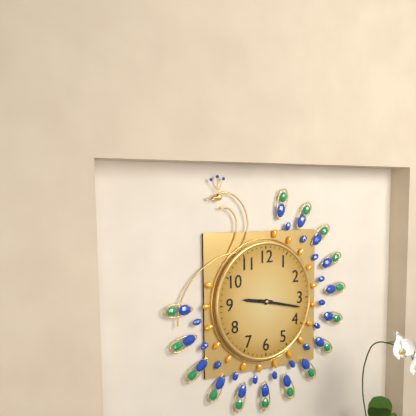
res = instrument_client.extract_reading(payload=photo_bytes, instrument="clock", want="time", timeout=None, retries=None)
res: 9:17
